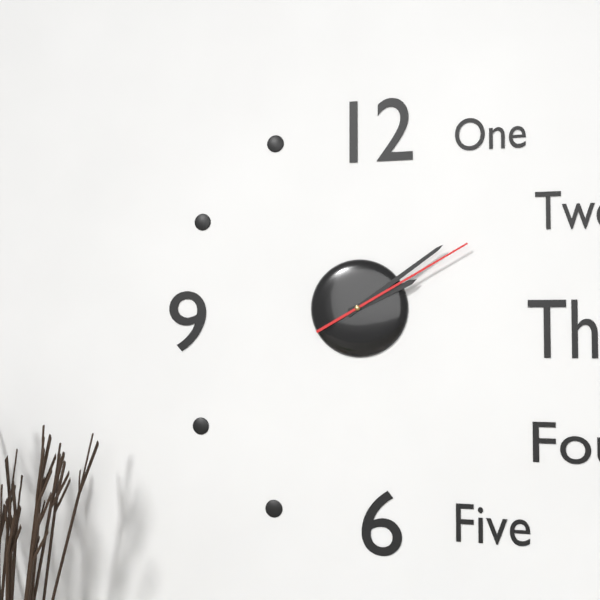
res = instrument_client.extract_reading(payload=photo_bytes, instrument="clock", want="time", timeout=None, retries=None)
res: 2:09:10
